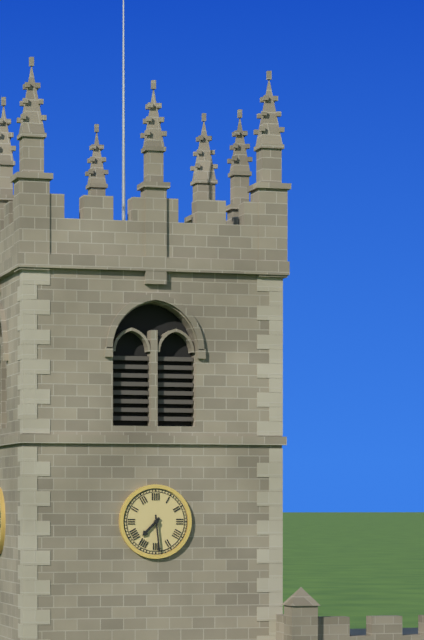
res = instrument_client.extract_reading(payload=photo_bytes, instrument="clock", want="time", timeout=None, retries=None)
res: 7:29
